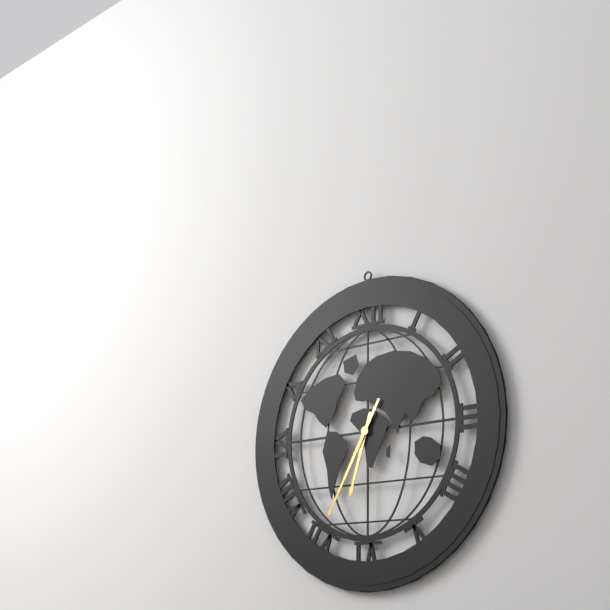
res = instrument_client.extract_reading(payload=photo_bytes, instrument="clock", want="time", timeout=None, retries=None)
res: 6:35
